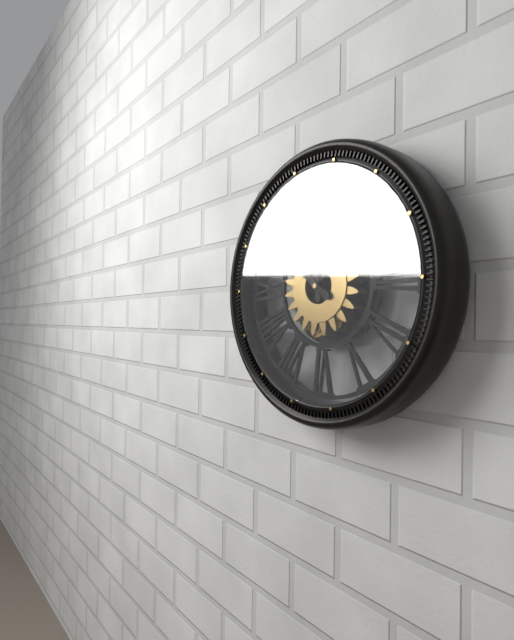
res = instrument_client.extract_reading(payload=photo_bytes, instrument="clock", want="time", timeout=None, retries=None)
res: 11:51
